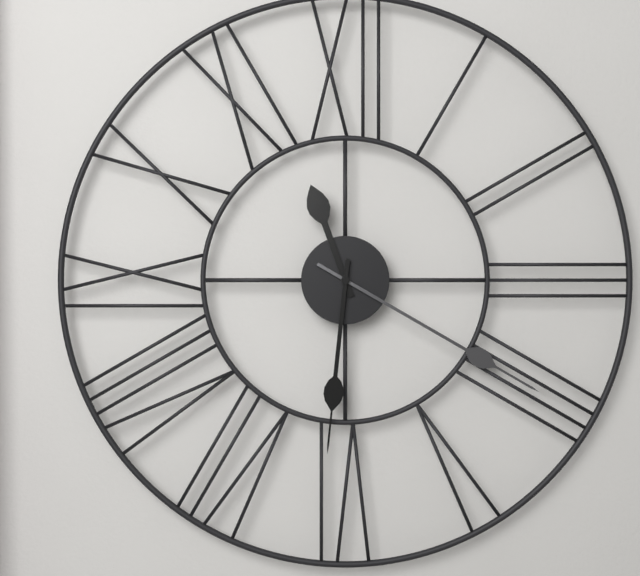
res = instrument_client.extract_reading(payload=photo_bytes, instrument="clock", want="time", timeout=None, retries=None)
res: 11:20:31
